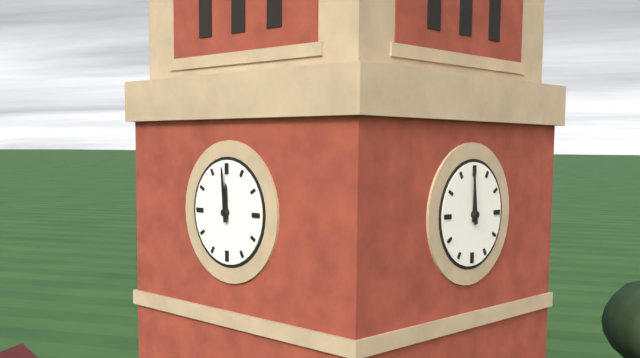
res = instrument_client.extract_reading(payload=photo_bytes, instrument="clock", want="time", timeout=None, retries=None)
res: 11:59
